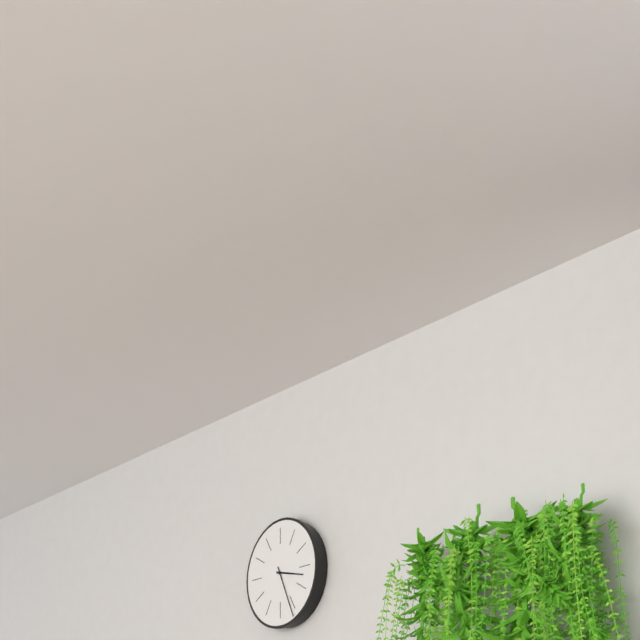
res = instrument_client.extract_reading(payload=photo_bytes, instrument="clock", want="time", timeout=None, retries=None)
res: 3:26
